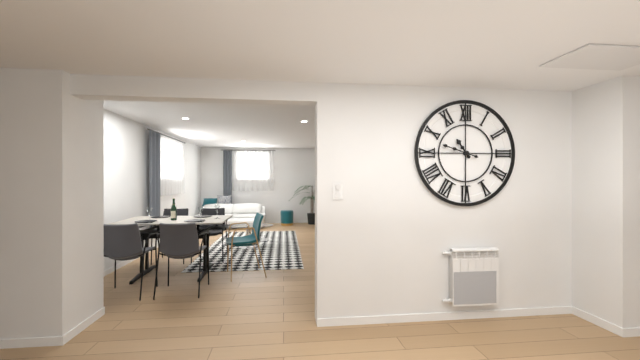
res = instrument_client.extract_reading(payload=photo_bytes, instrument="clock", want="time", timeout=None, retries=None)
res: 10:48
